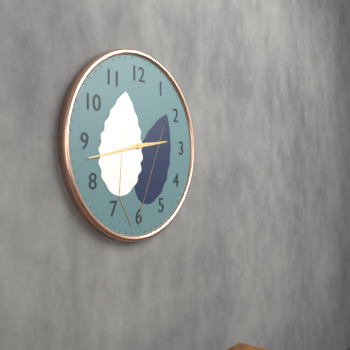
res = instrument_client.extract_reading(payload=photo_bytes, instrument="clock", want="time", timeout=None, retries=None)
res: 2:43
